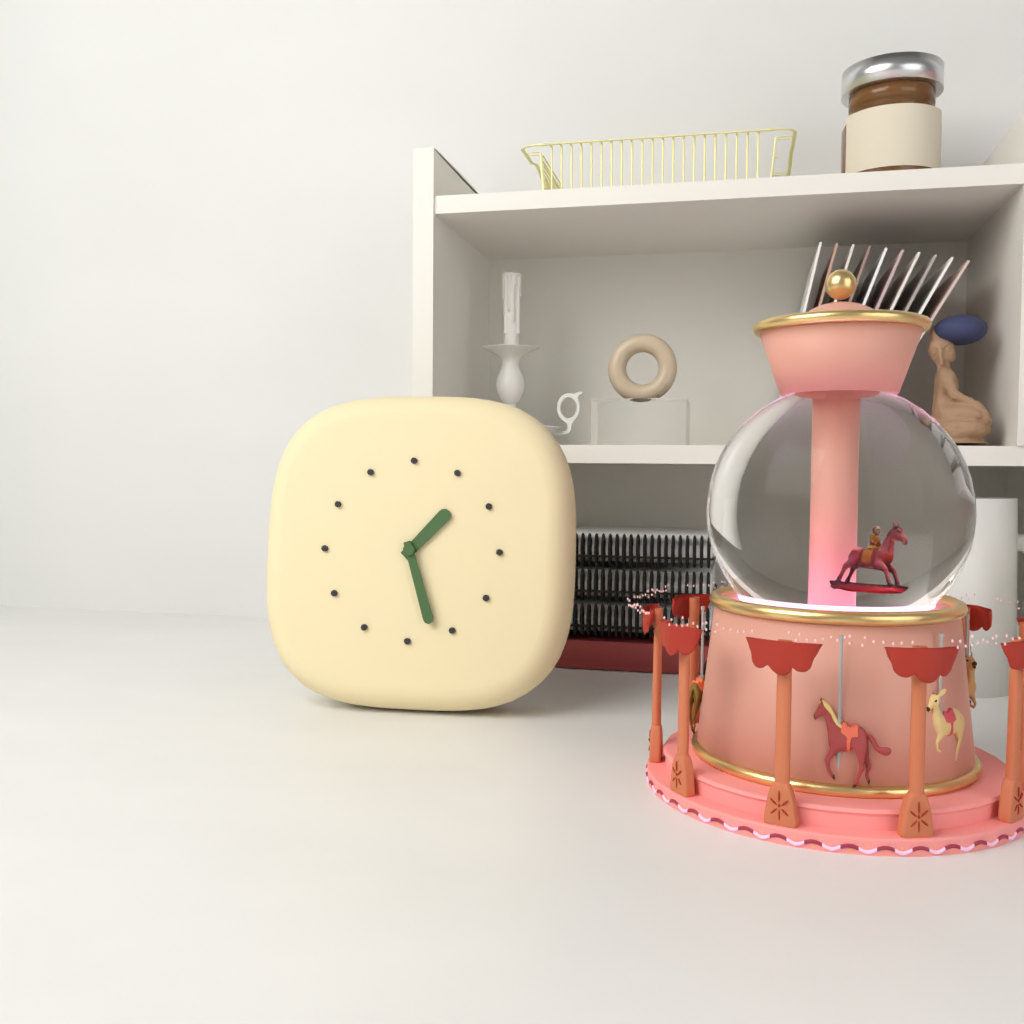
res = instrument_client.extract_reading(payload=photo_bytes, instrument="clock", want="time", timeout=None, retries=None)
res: 1:27
